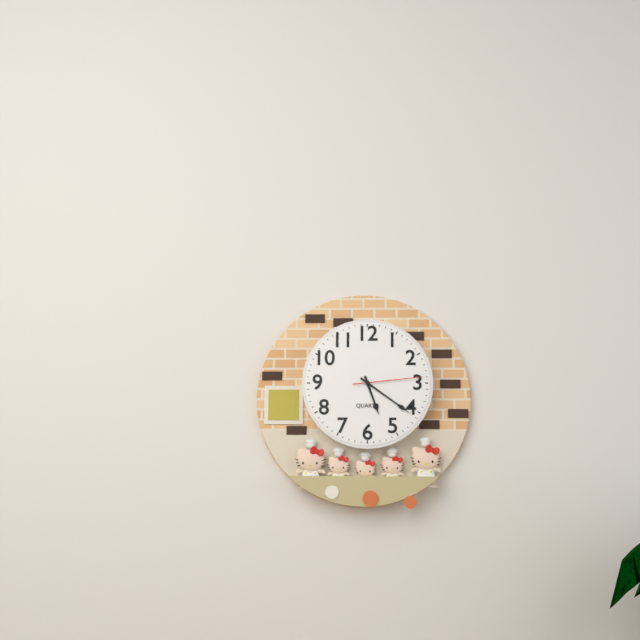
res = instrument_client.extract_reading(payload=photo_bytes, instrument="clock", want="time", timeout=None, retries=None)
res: 5:21:14
